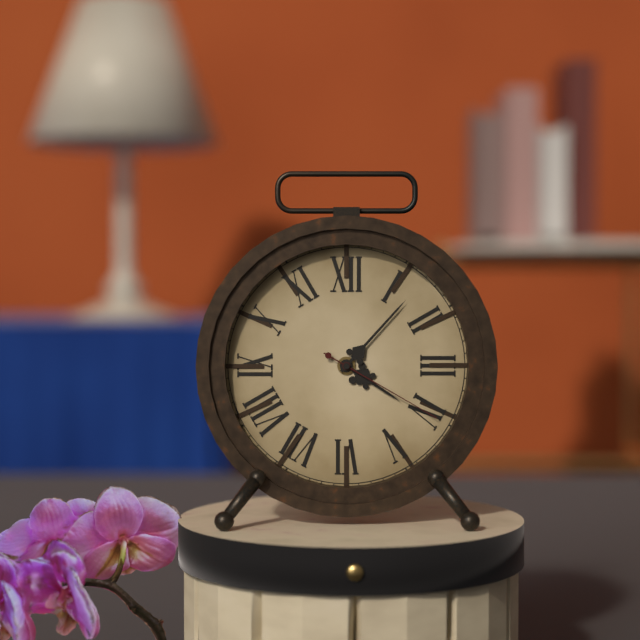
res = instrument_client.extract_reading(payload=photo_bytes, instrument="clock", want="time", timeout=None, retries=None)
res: 4:07:20
